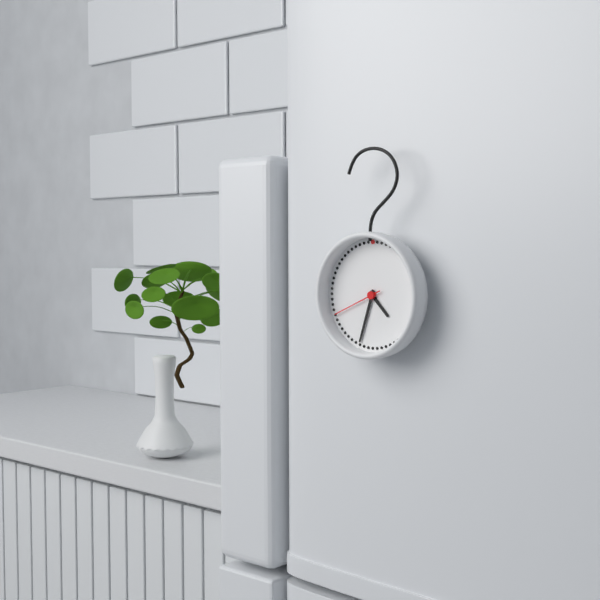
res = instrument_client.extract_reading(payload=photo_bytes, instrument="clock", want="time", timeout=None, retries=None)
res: 4:33:41
